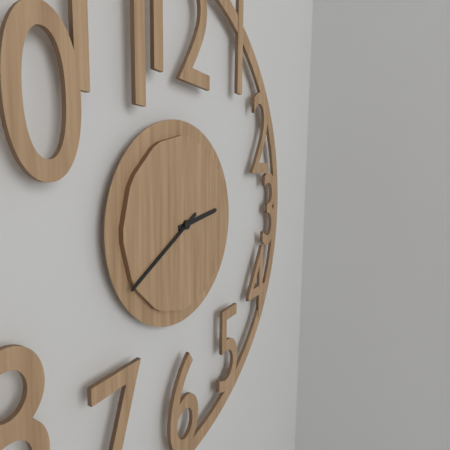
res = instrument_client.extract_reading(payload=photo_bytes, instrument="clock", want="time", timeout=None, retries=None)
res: 2:40
